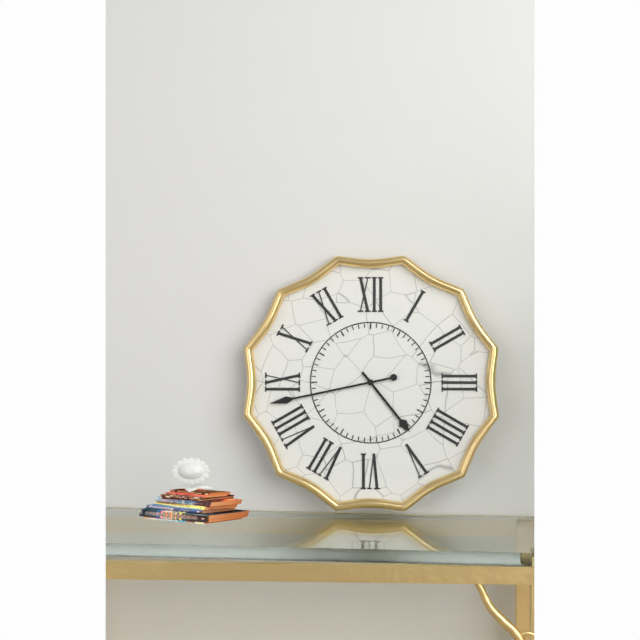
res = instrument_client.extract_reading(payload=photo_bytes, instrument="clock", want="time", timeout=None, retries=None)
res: 4:43
